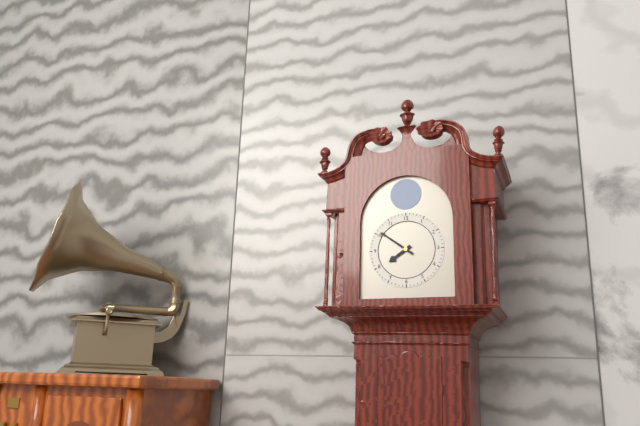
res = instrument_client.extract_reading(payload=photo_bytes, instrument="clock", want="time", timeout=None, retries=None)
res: 7:51
